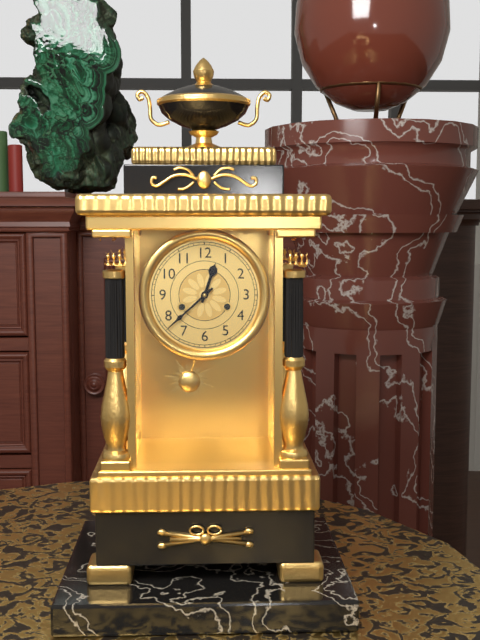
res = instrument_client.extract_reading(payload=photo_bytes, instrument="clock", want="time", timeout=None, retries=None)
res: 12:38
